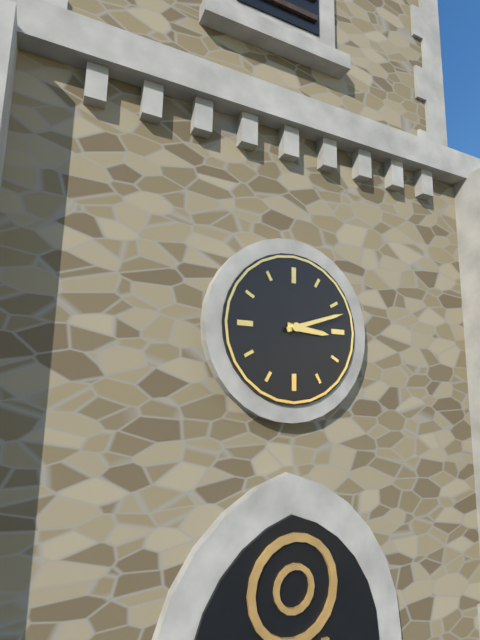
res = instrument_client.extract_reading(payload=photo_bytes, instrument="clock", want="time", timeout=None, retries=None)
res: 3:12
